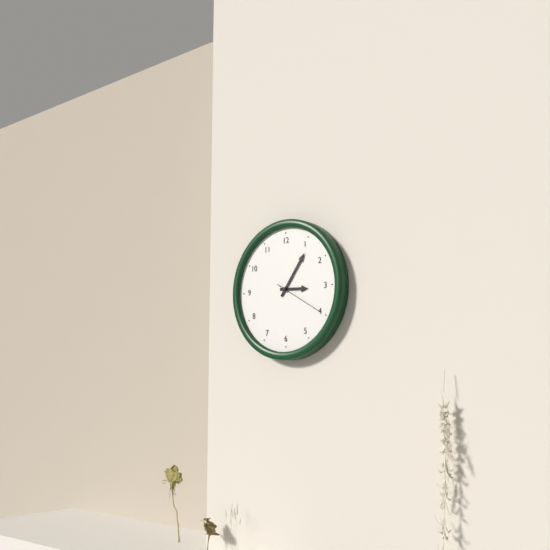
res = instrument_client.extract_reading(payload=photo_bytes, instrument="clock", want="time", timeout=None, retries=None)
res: 3:06
